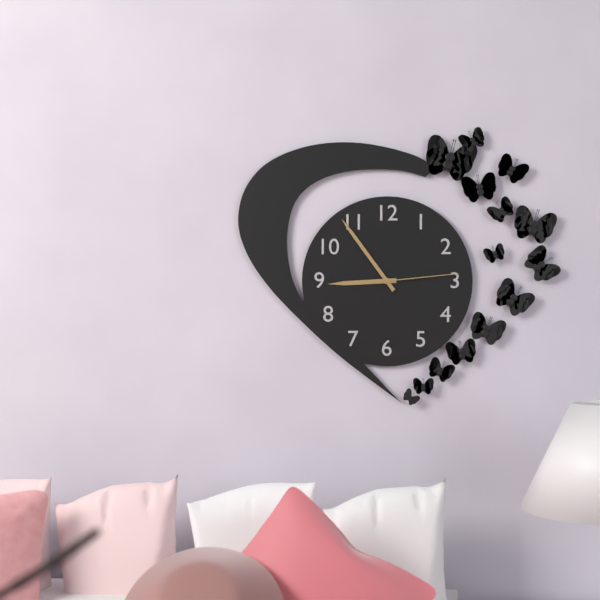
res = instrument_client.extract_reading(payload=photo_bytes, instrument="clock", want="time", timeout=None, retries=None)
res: 8:54:14
